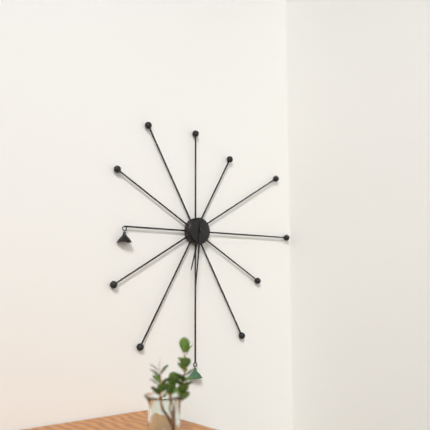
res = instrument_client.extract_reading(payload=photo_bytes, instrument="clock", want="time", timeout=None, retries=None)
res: 6:31
